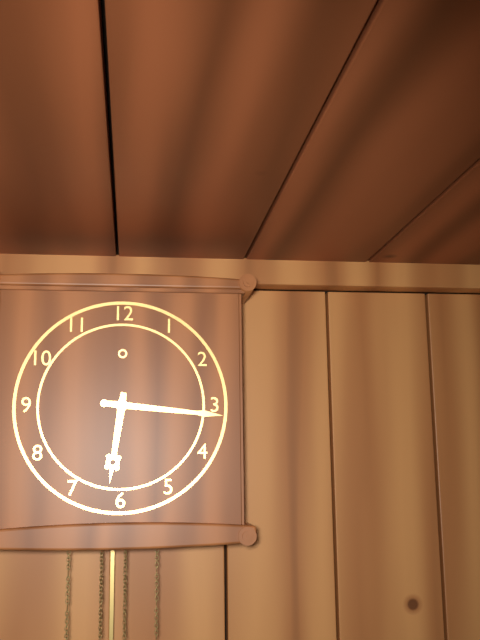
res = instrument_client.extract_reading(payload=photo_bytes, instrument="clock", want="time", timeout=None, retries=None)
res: 6:16
